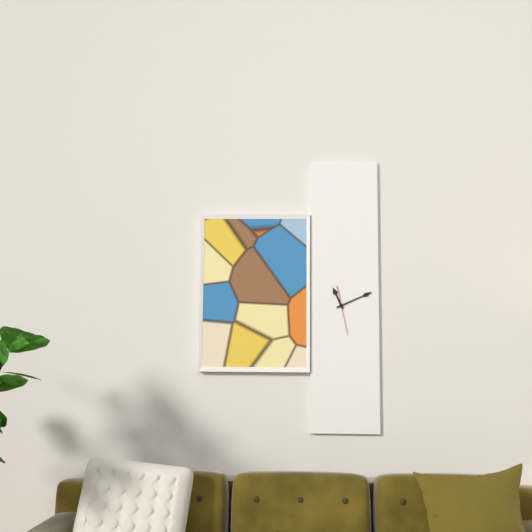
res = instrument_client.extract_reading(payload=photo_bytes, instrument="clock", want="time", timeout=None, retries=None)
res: 11:11
